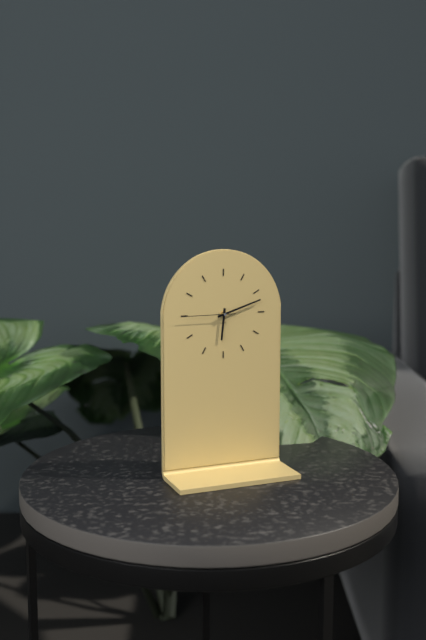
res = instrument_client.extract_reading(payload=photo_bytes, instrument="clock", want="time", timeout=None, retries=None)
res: 6:12:45
